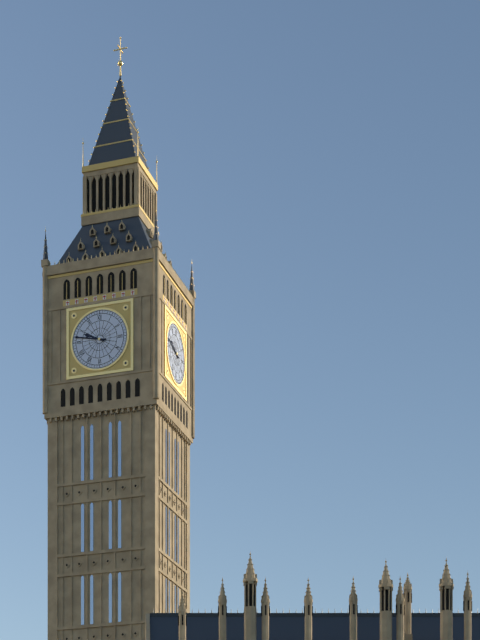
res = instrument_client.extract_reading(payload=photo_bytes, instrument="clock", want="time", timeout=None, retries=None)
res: 9:47
